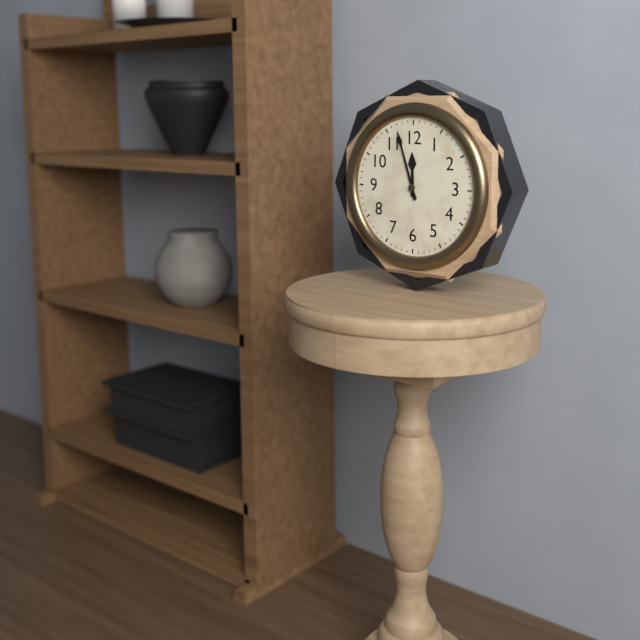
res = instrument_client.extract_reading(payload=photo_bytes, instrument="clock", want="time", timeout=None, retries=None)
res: 11:57
